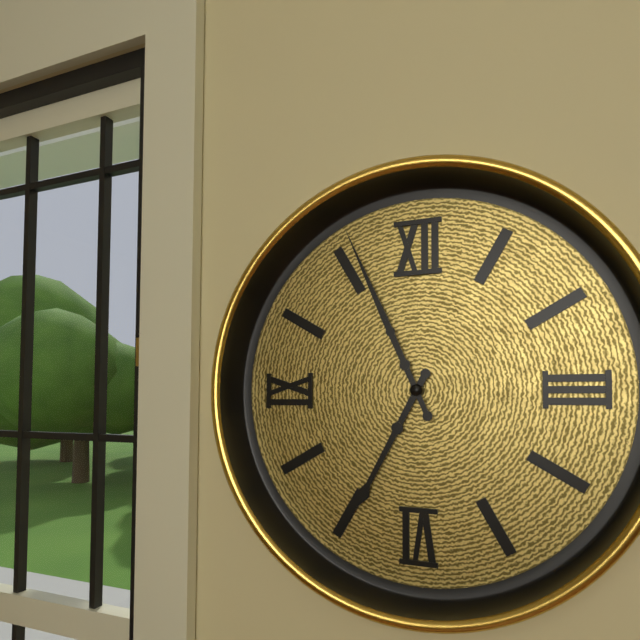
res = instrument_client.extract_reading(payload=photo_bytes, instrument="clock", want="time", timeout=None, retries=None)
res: 6:56
